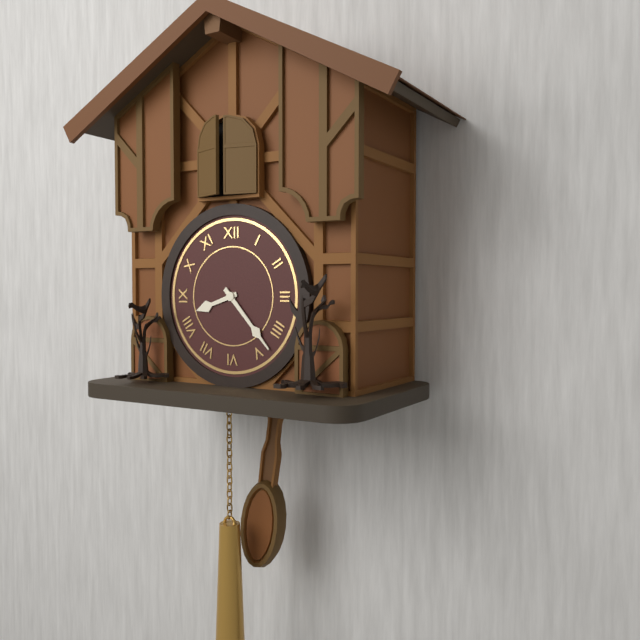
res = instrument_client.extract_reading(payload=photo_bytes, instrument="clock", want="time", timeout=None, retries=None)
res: 8:23
